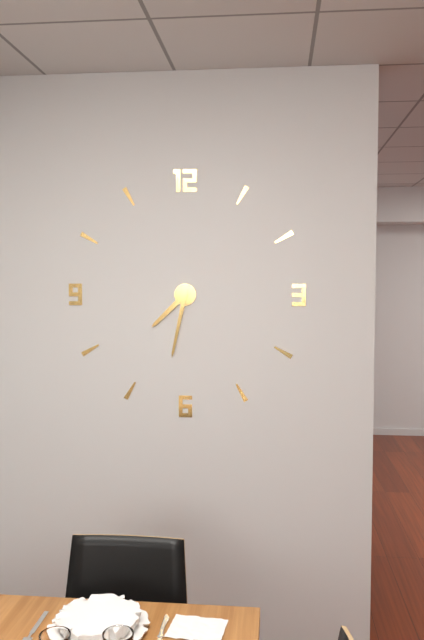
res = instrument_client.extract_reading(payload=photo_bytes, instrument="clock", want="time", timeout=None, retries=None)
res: 7:32
